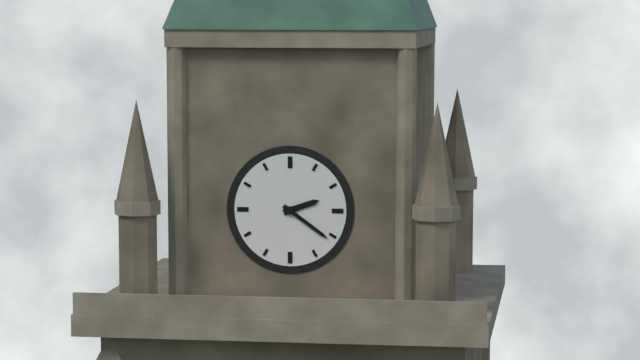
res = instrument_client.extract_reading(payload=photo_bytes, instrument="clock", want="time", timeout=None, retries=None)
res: 2:21
